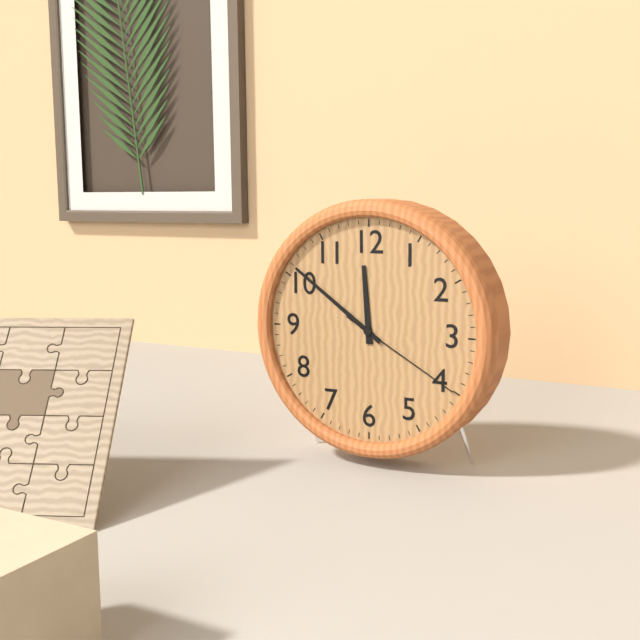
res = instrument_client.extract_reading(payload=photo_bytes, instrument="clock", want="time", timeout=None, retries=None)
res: 11:51:20
